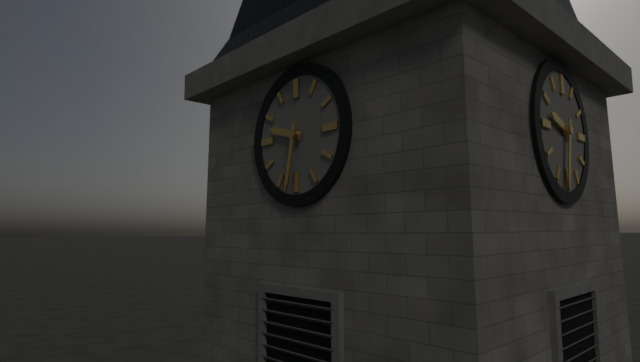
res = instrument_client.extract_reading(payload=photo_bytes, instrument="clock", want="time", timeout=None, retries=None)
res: 9:32
